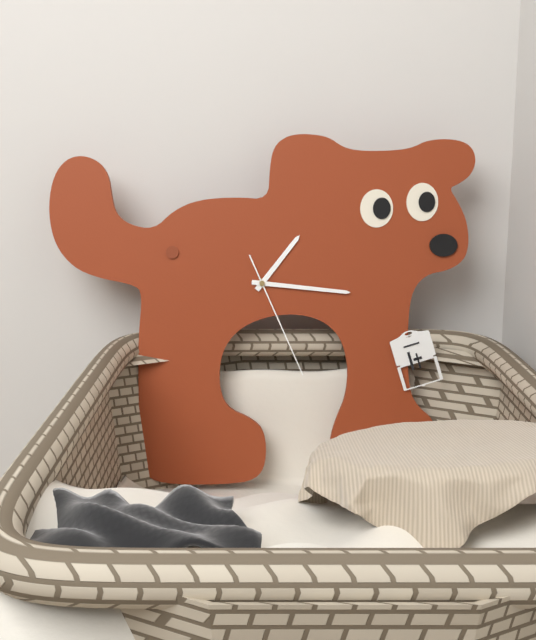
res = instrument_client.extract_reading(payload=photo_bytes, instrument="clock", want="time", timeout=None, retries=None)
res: 1:16:26
